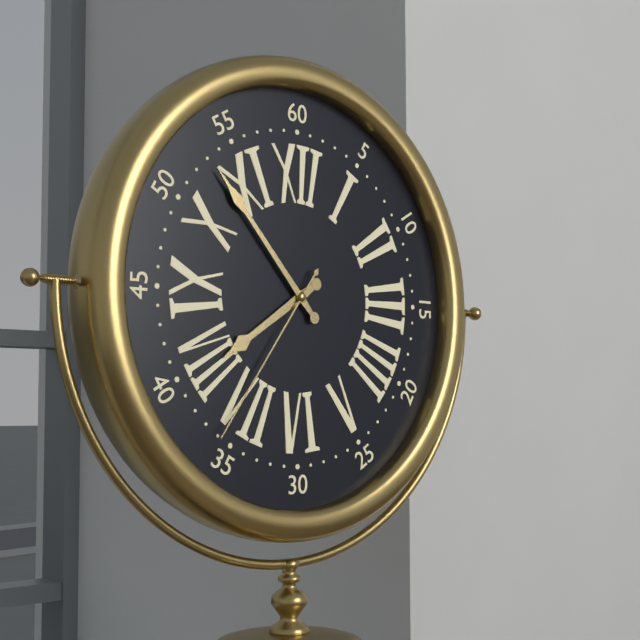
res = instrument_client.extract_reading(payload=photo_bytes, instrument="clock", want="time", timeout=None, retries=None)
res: 7:53:36
